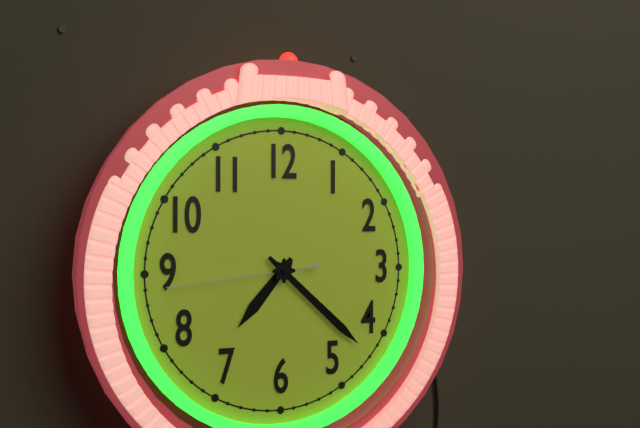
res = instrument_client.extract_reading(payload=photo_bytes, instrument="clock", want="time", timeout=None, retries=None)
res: 7:22:44
